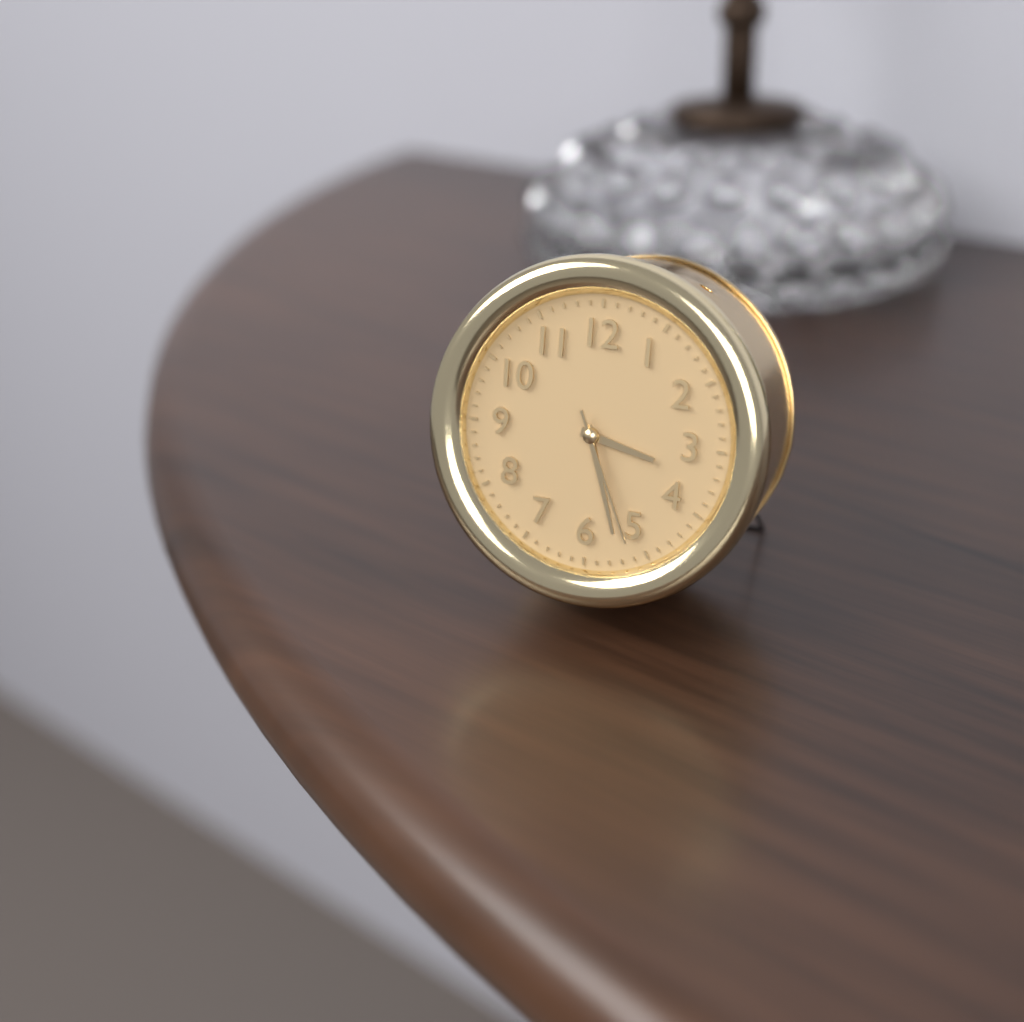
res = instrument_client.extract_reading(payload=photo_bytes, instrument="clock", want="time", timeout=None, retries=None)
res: 3:27:26
